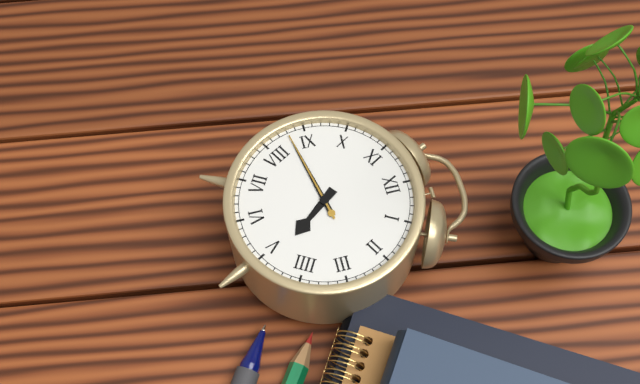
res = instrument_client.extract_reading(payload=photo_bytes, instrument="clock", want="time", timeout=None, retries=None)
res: 4:43:43
